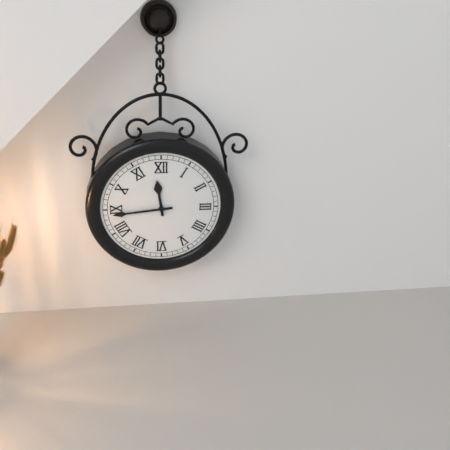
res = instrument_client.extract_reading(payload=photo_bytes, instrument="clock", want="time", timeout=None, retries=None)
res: 11:44
